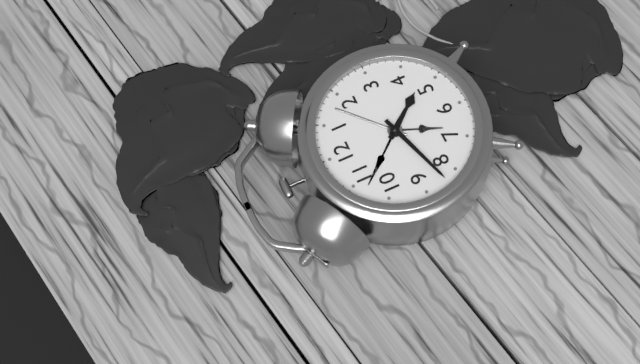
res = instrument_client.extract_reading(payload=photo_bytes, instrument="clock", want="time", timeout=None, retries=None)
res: 4:42
